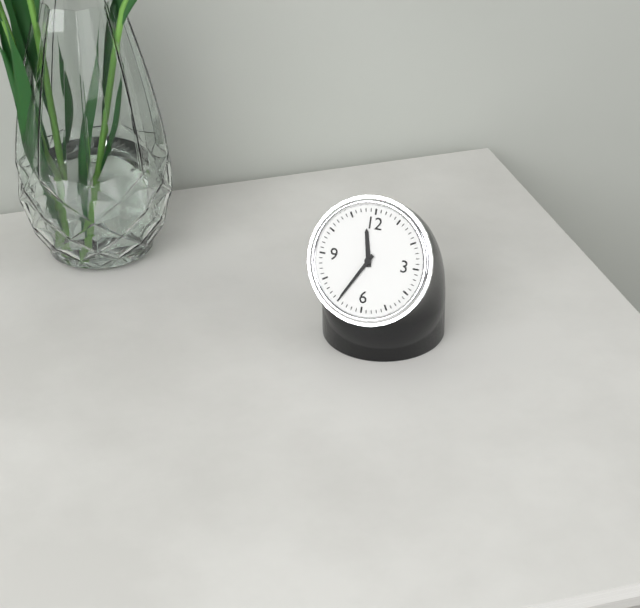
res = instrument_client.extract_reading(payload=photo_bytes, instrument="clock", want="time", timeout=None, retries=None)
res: 11:35
